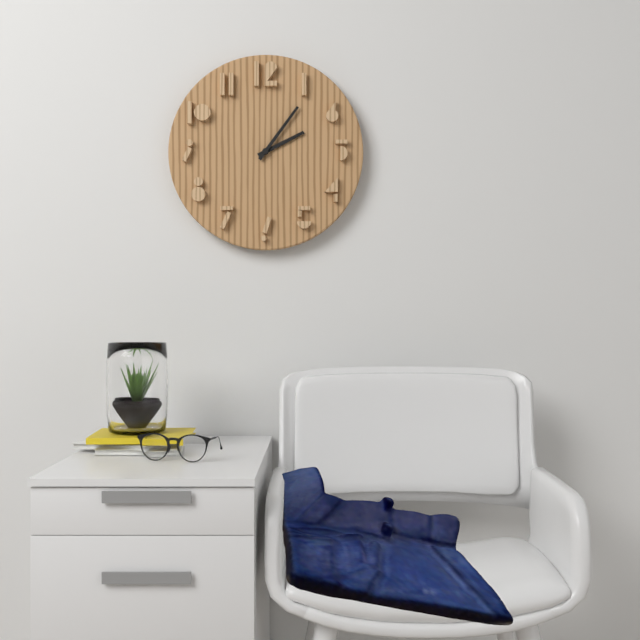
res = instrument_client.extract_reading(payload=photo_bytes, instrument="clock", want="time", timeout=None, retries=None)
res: 2:06
